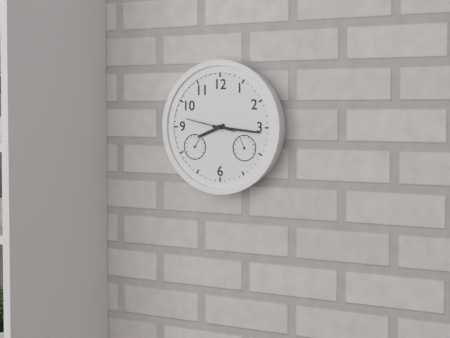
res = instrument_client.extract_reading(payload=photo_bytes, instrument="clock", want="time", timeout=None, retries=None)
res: 8:16
